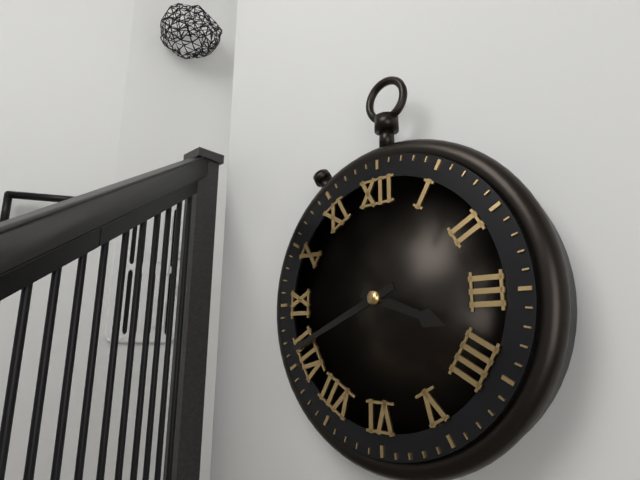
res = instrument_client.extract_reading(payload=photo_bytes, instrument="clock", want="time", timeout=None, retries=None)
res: 3:41
